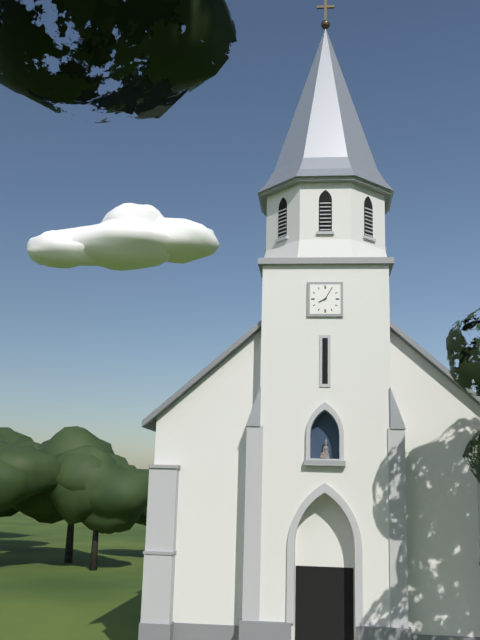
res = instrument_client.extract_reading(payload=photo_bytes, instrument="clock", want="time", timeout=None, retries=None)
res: 8:05
